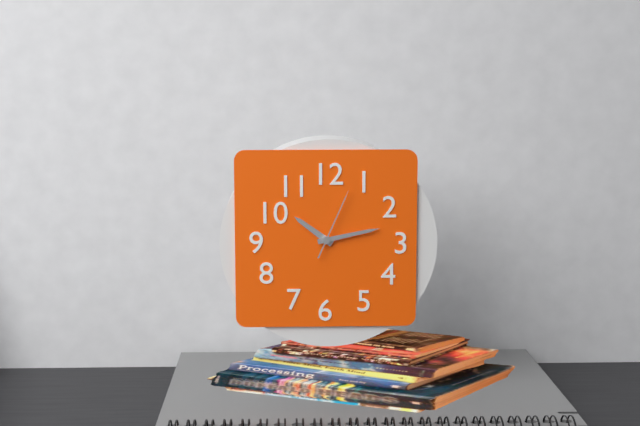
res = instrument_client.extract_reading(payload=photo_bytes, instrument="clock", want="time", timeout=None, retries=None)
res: 10:13:04
